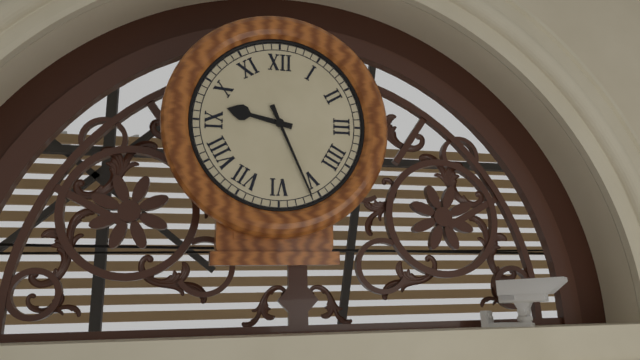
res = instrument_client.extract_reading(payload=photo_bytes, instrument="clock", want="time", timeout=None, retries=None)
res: 9:26
